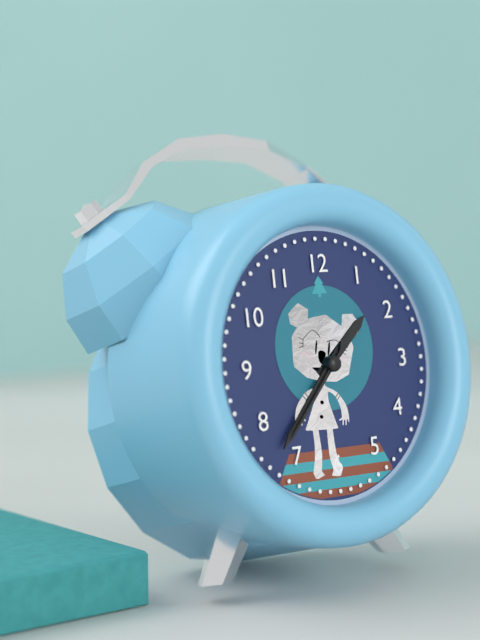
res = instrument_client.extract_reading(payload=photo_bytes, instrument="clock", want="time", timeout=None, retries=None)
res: 1:37:37
